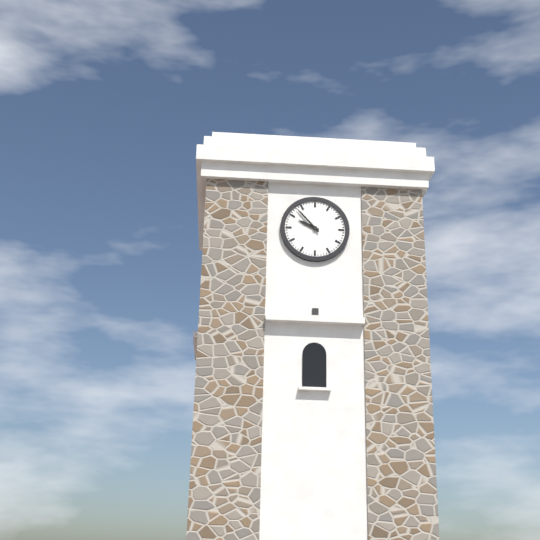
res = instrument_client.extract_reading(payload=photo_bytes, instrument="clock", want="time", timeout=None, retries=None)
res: 9:53
